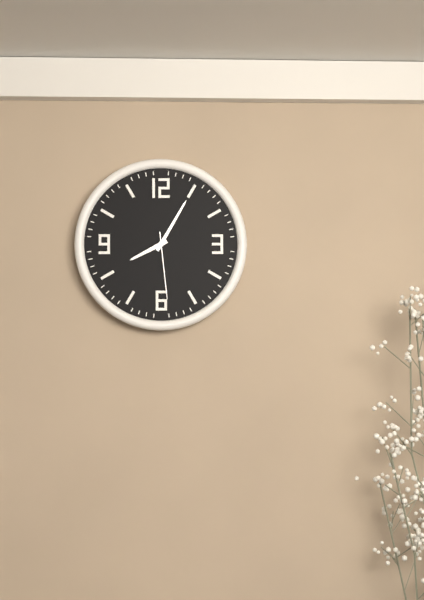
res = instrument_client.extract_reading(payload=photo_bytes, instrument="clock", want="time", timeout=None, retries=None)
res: 8:05:29
